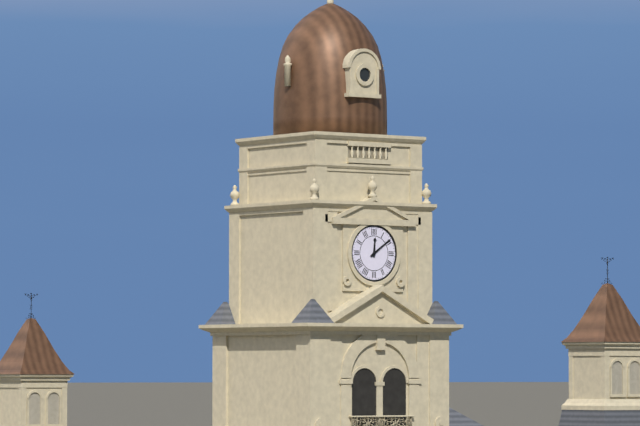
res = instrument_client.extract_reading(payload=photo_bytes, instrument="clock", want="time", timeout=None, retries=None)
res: 12:09
